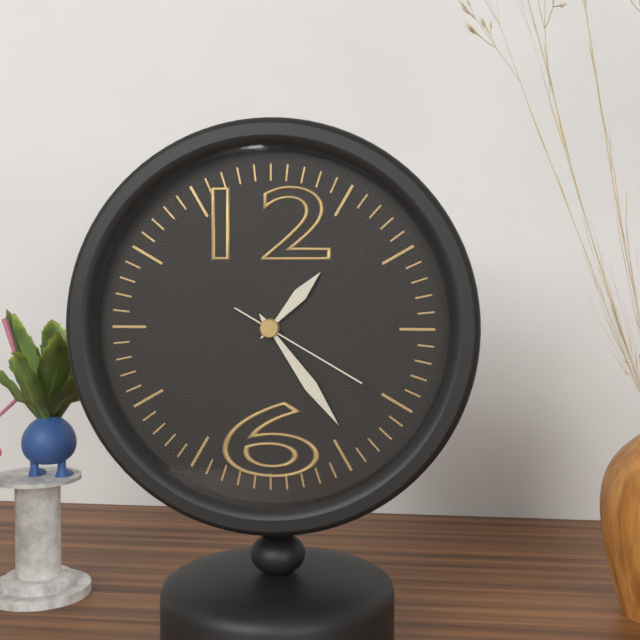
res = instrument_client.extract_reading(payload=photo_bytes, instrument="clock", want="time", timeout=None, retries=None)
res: 1:24:20
